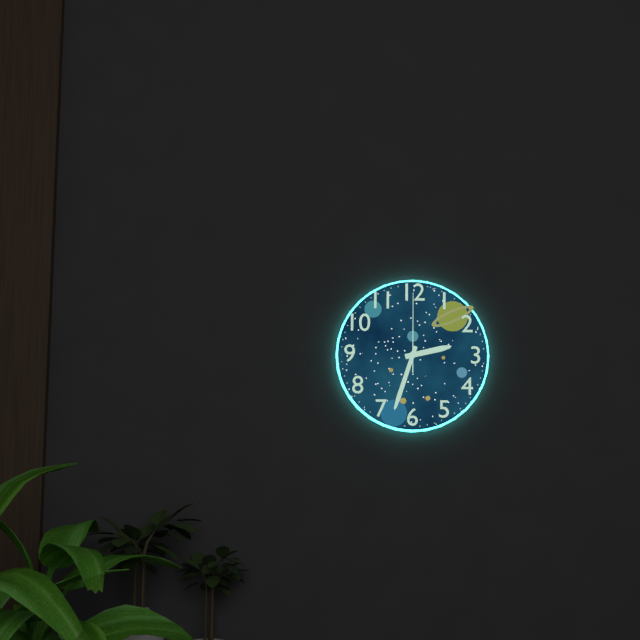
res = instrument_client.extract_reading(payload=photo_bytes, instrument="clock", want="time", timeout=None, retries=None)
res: 2:33:00
